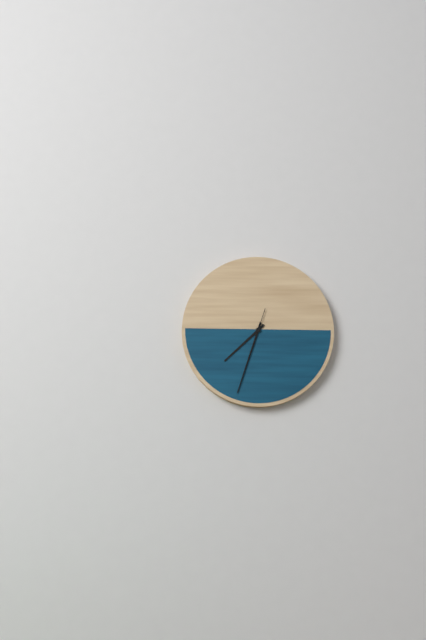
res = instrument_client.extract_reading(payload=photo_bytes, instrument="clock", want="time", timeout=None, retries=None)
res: 7:33:33
